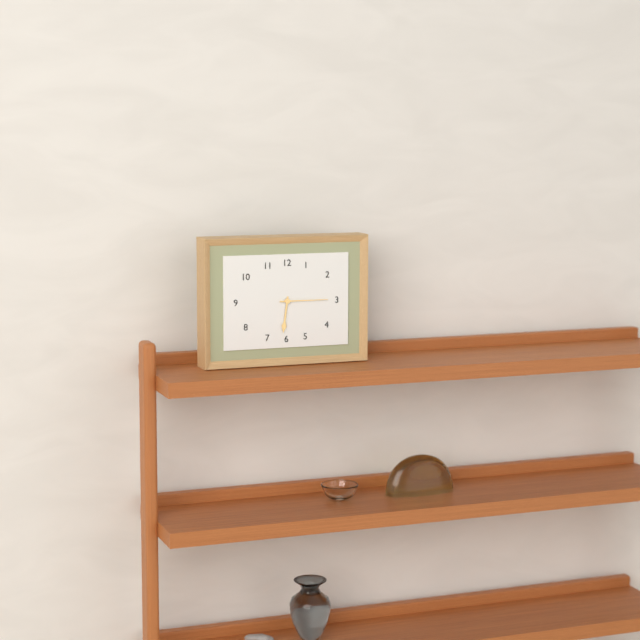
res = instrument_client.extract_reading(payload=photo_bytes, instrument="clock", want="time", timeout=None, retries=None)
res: 6:15
